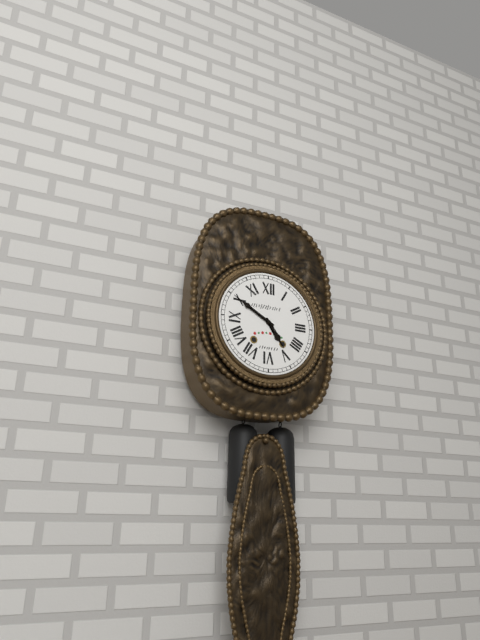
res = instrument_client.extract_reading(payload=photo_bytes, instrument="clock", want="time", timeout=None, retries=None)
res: 4:50
